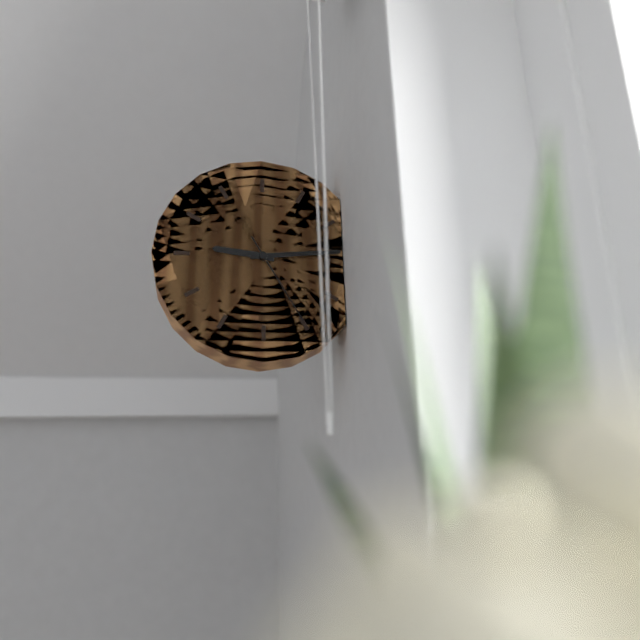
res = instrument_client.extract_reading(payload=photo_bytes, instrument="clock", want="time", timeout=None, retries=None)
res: 9:14:25
